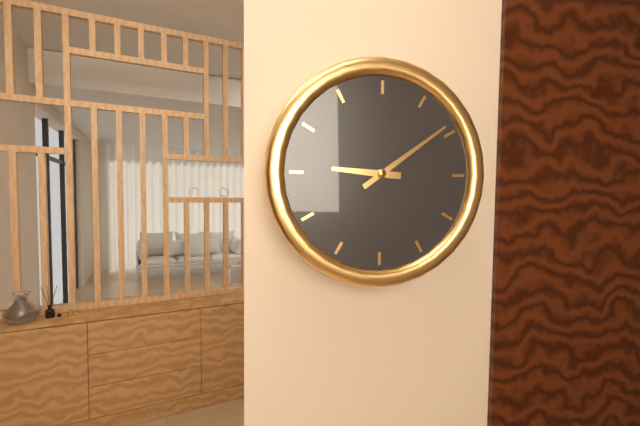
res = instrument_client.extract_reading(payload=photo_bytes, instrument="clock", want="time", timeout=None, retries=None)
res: 9:09
